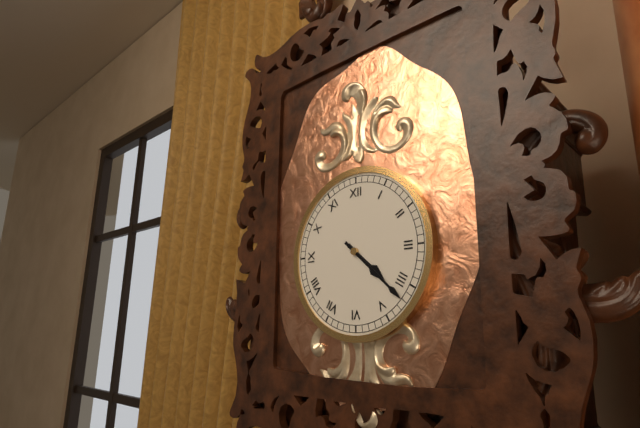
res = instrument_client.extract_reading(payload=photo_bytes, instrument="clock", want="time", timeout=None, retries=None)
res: 4:22
